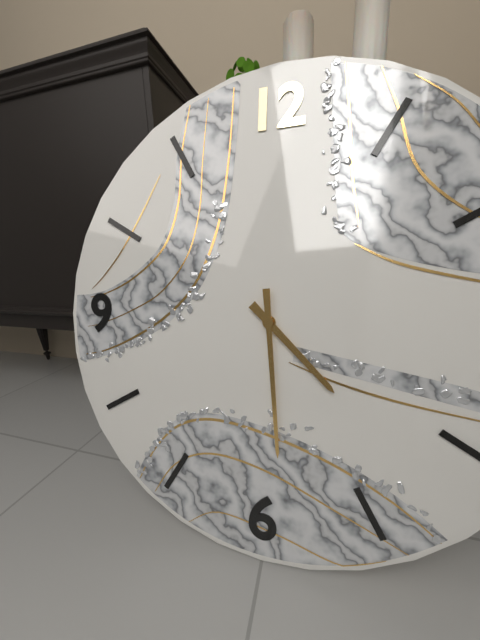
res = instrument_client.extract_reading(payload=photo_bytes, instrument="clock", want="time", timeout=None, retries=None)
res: 4:29
